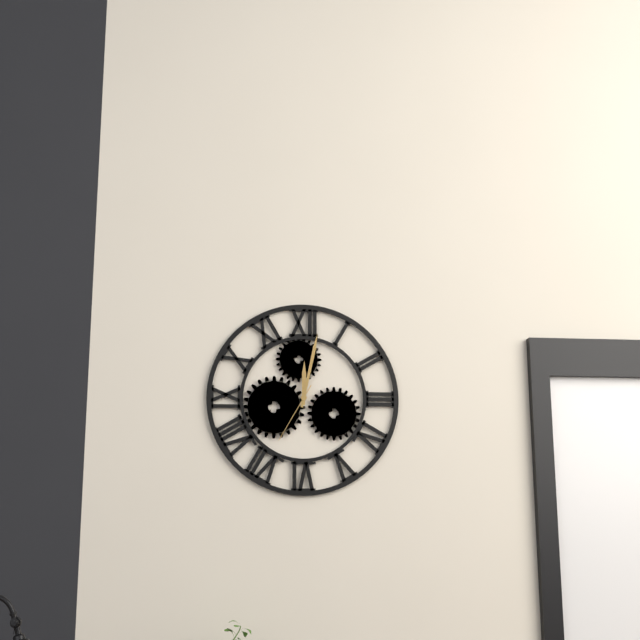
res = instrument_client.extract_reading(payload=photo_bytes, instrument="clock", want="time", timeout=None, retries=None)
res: 12:02:35
